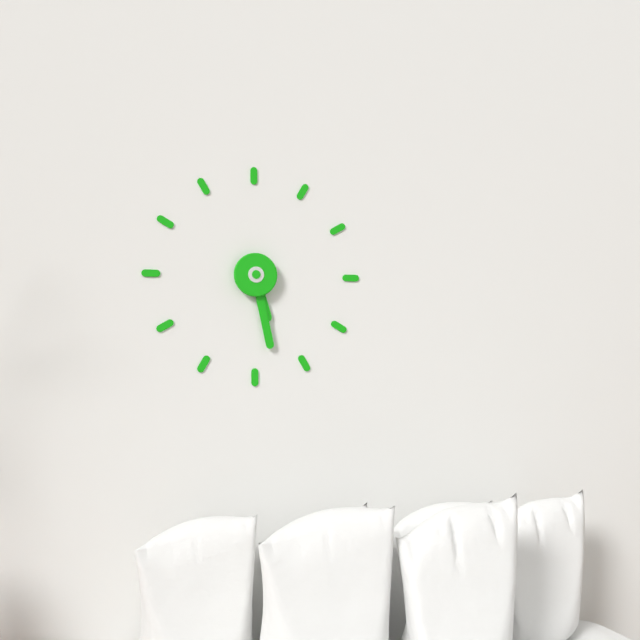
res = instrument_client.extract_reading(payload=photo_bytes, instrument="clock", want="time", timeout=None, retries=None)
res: 5:28
